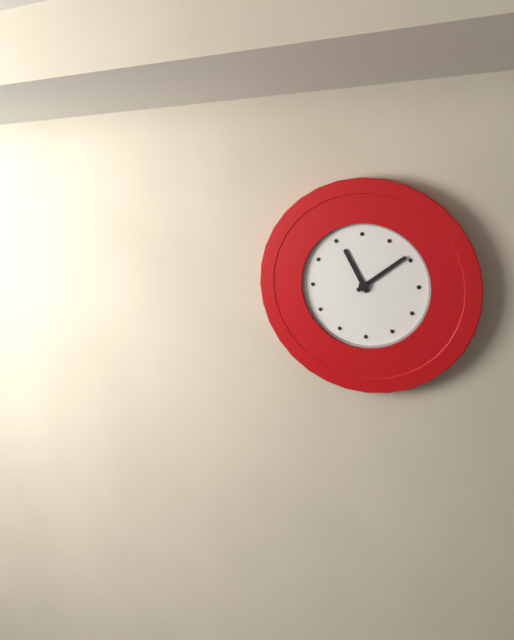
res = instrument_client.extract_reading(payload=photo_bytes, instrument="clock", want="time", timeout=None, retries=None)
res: 11:09
